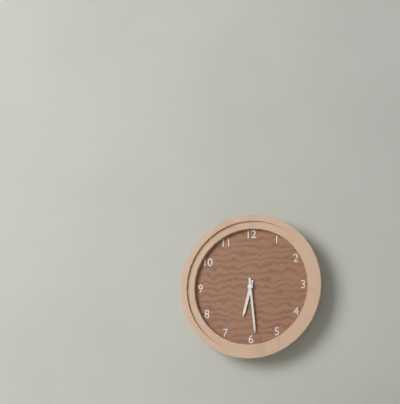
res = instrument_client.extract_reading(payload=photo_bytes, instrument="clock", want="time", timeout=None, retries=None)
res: 6:29
